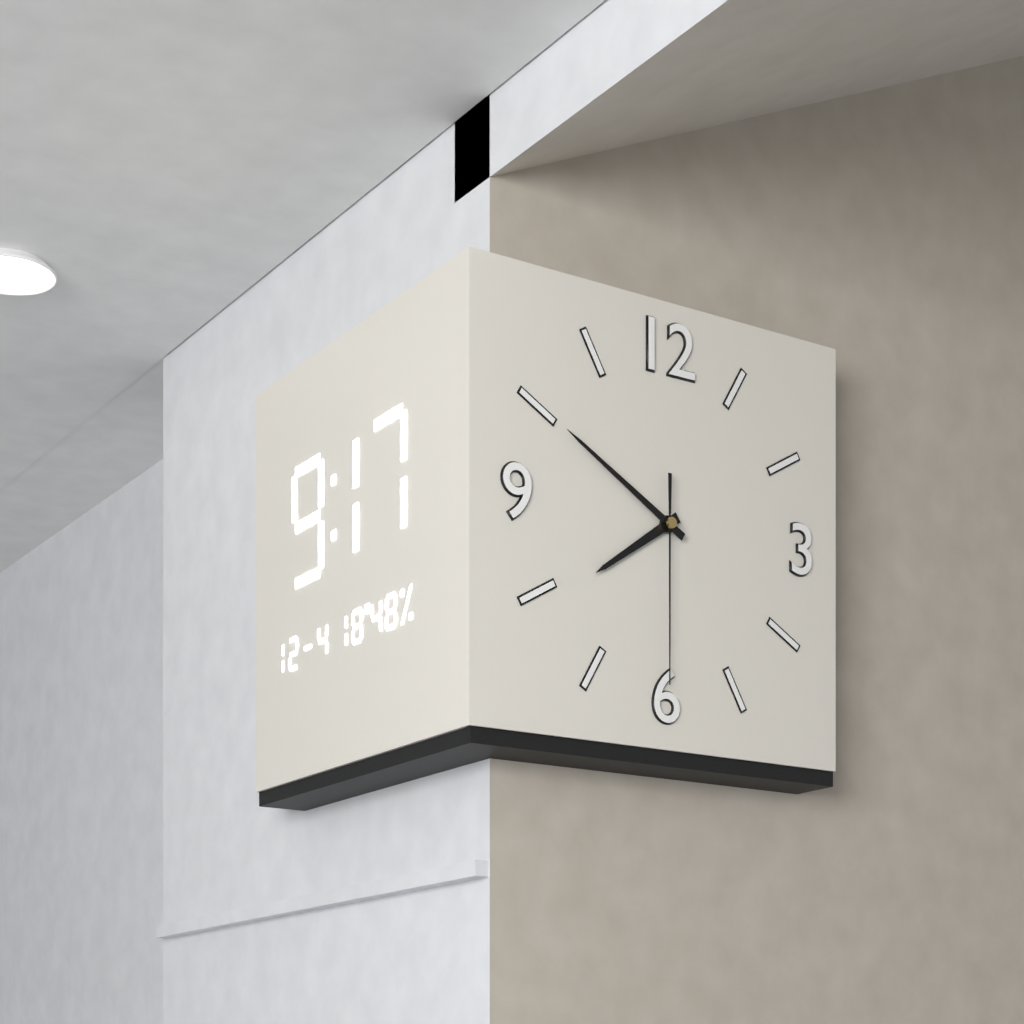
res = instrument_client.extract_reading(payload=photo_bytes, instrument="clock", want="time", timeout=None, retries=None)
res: 7:50:30
